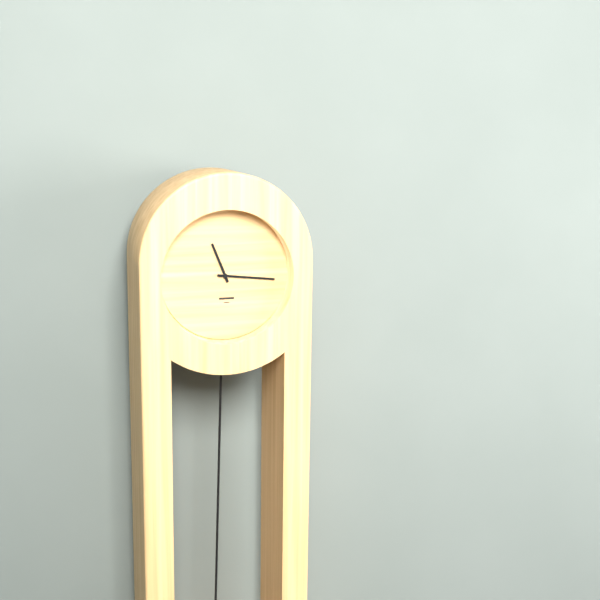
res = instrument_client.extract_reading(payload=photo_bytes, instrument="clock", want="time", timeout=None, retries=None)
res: 11:16
